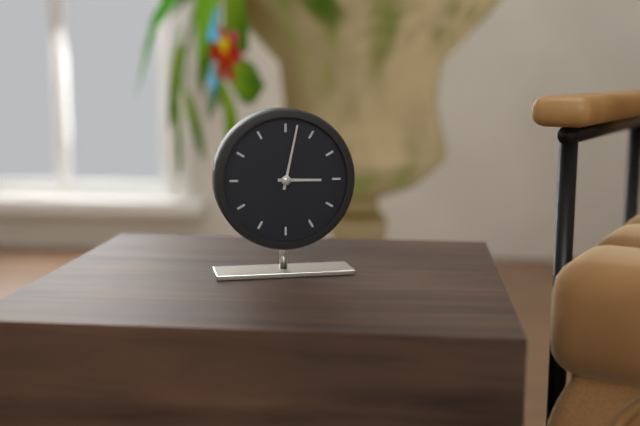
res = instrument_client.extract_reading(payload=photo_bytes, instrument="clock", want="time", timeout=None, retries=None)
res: 3:02
